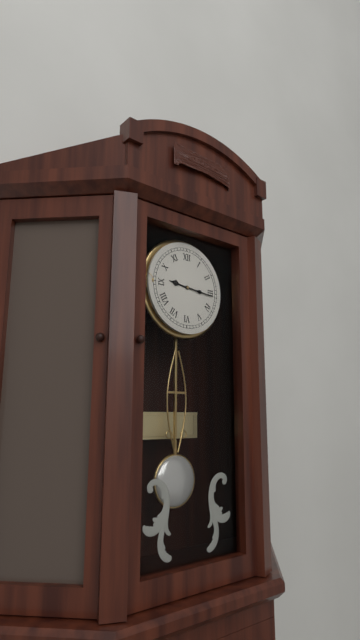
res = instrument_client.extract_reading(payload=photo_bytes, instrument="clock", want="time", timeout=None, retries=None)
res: 9:16
